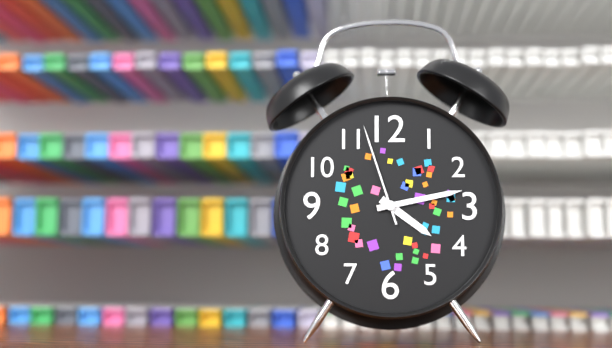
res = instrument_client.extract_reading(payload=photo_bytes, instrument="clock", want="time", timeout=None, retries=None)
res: 4:13:57
